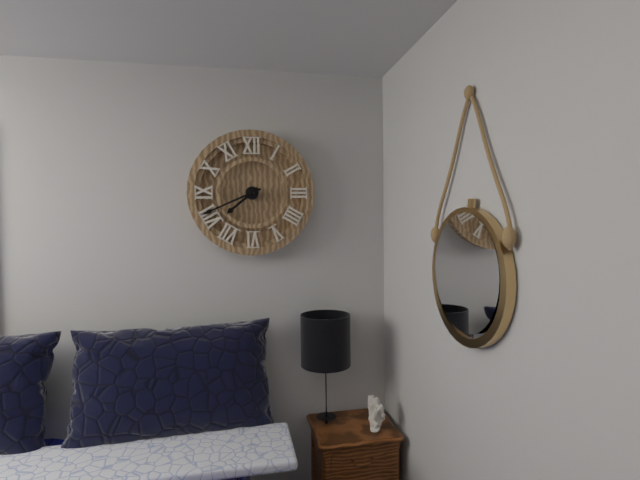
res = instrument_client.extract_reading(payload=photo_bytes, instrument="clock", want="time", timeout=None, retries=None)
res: 7:41
